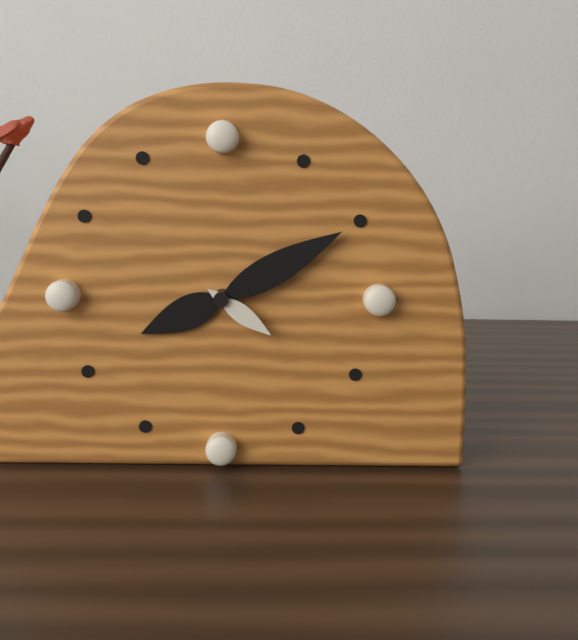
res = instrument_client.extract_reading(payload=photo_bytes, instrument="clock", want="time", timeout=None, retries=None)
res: 8:10:21
